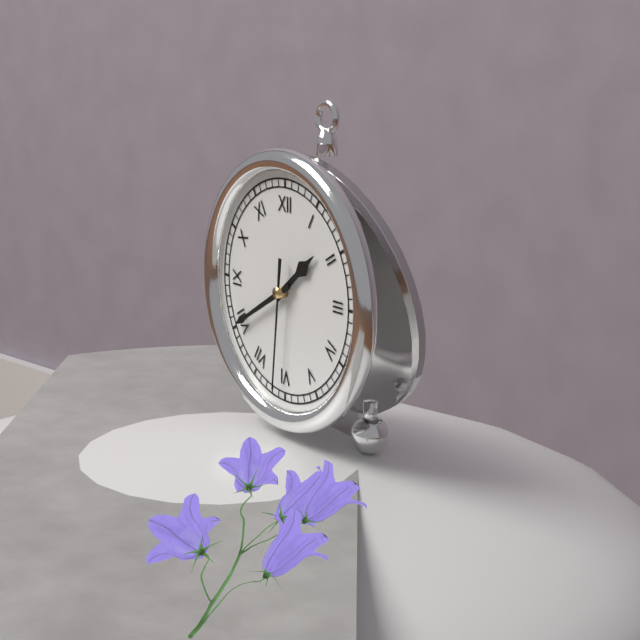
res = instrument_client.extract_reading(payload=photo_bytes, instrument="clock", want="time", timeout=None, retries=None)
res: 1:40:31
